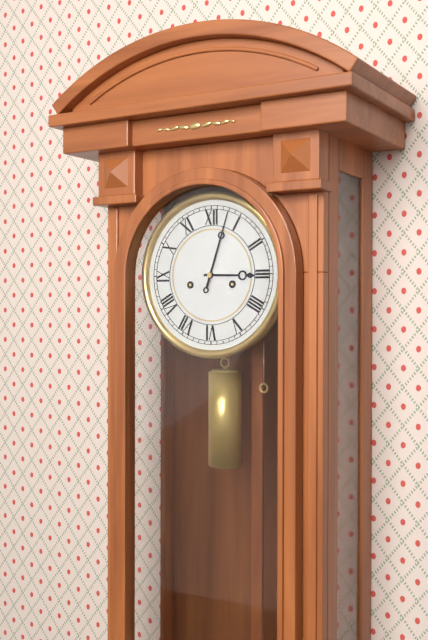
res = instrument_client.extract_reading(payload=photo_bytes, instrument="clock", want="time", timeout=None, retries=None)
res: 3:03
